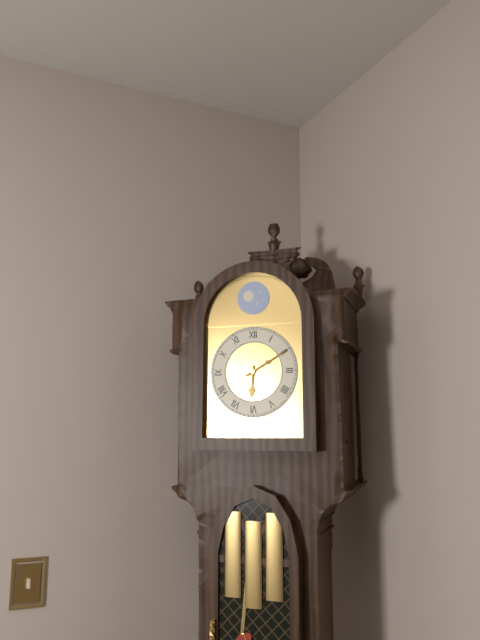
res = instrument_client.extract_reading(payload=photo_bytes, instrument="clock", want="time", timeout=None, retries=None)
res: 6:10
